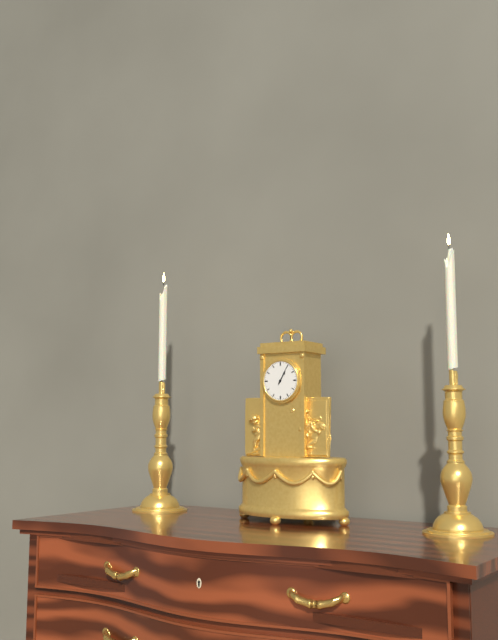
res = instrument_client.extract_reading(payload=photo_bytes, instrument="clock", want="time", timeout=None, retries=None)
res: 1:05
